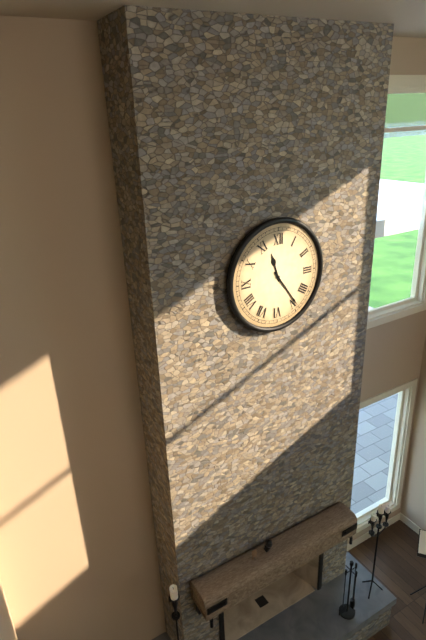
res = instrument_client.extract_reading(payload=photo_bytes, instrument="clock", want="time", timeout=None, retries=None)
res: 11:24
